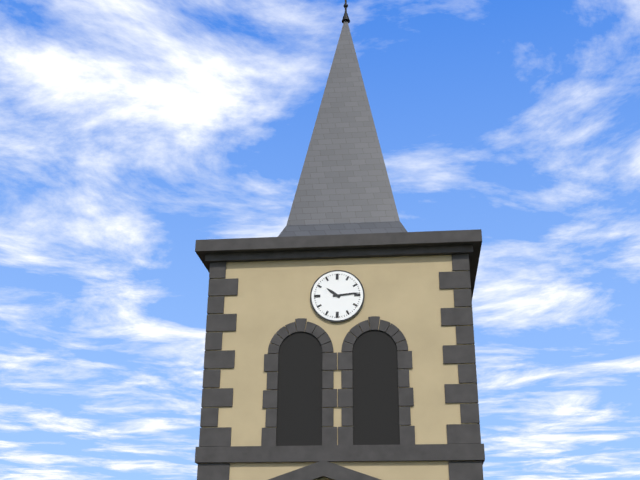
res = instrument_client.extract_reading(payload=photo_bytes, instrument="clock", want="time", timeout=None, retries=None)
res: 10:14
